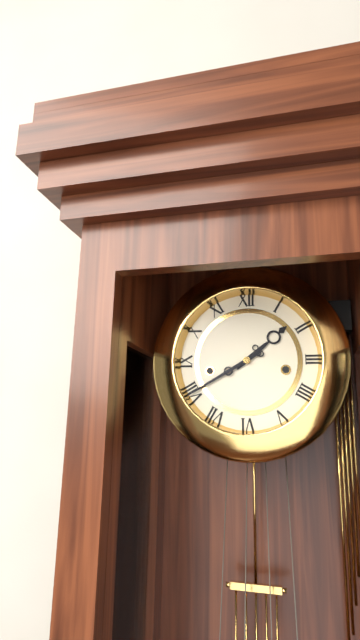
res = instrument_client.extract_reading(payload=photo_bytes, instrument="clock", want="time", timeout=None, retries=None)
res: 1:40
